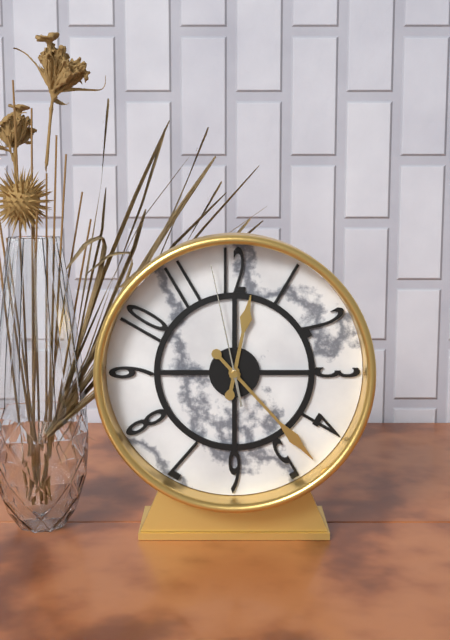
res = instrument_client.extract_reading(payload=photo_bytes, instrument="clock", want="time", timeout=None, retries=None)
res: 12:23:58
